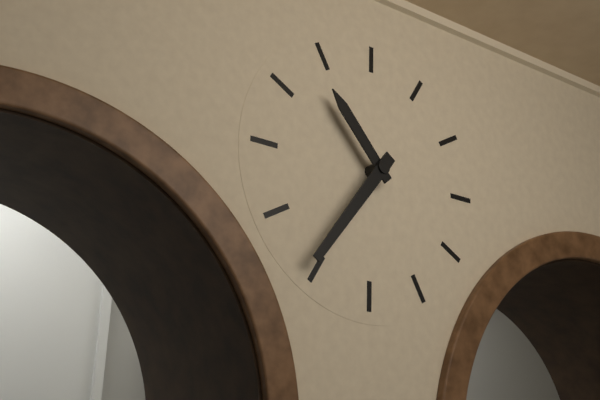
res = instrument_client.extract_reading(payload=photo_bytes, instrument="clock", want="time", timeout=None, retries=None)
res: 10:36
